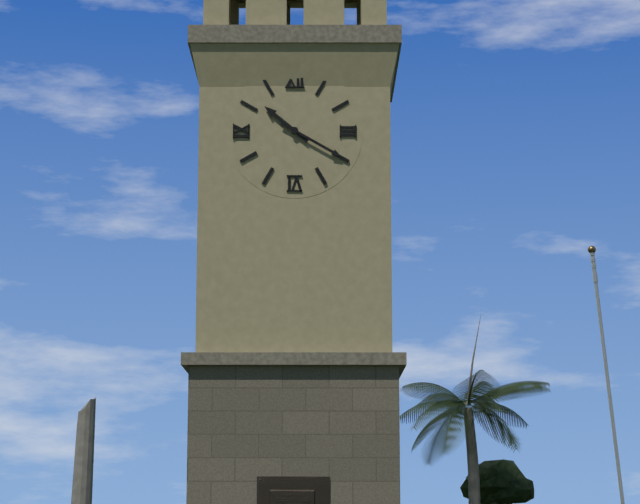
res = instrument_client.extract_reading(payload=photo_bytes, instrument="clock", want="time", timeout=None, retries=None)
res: 10:20
